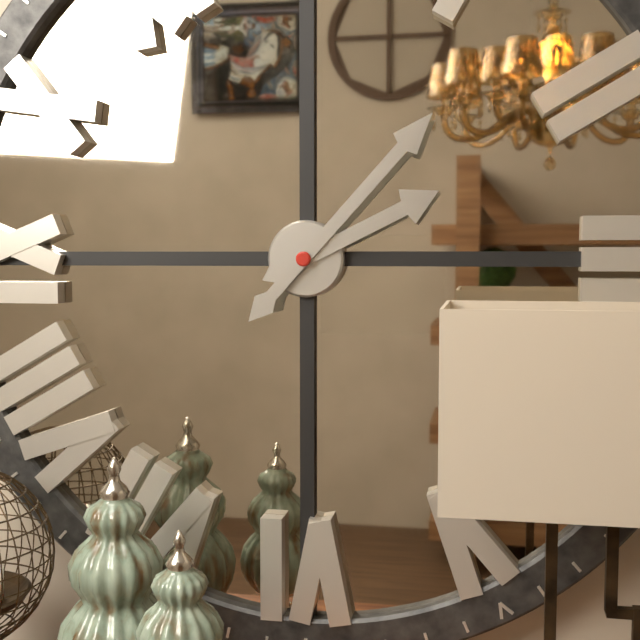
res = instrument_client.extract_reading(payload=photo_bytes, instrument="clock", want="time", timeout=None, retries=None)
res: 2:07
